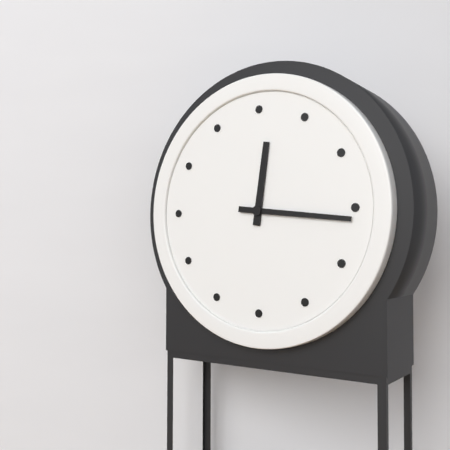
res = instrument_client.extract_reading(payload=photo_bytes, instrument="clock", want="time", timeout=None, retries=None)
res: 12:16
